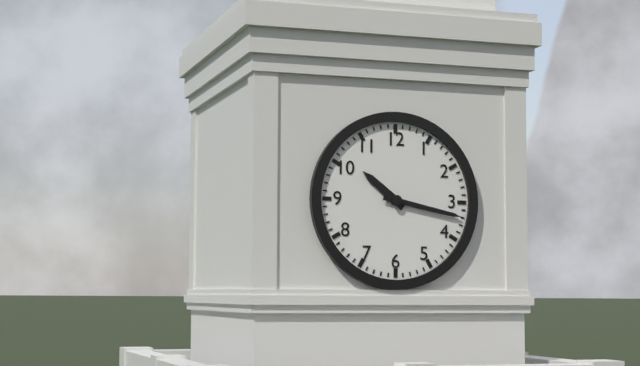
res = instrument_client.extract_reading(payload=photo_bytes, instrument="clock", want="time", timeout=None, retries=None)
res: 10:17
